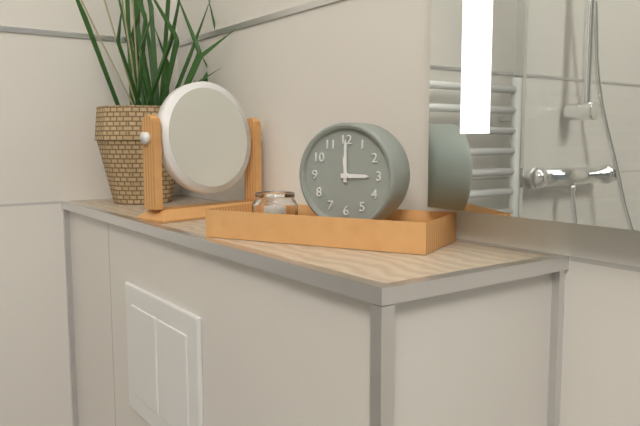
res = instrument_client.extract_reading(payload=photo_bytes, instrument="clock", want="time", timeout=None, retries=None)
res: 3:00
